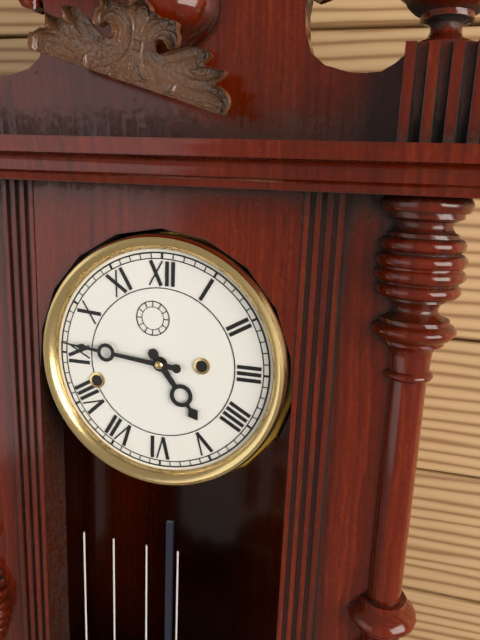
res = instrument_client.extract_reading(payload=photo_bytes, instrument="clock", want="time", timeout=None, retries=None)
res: 4:46
